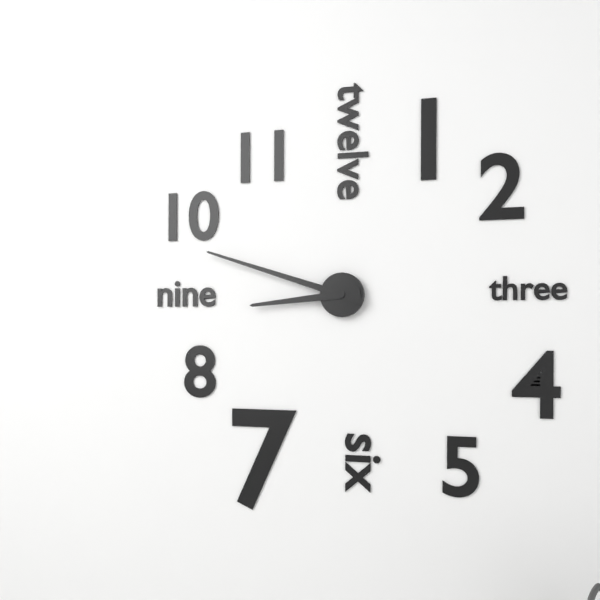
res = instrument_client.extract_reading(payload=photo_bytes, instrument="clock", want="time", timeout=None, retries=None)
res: 8:48
